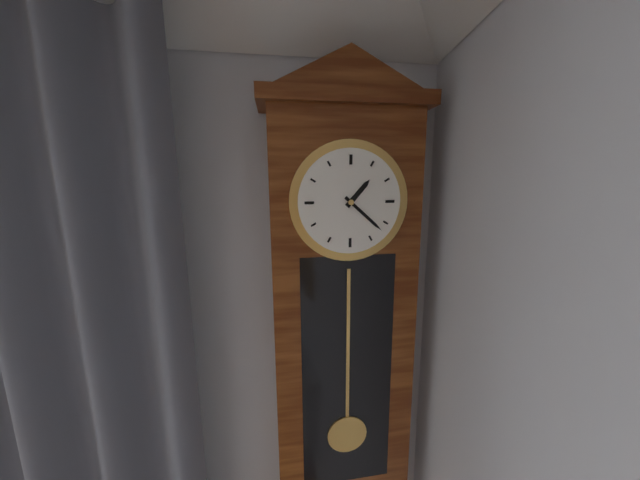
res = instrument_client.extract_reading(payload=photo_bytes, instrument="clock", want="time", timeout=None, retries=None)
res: 1:22
